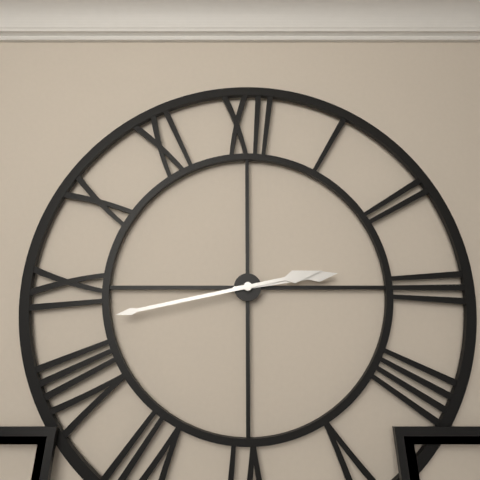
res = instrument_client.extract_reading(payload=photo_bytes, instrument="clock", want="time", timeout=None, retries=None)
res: 2:43
